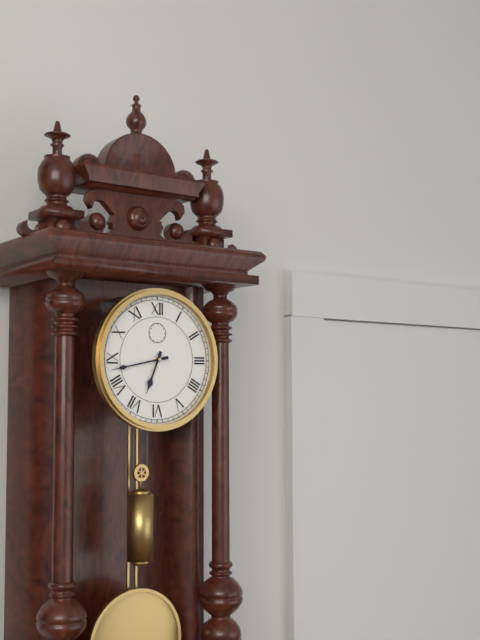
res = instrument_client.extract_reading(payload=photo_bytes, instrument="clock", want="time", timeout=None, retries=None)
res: 6:43
